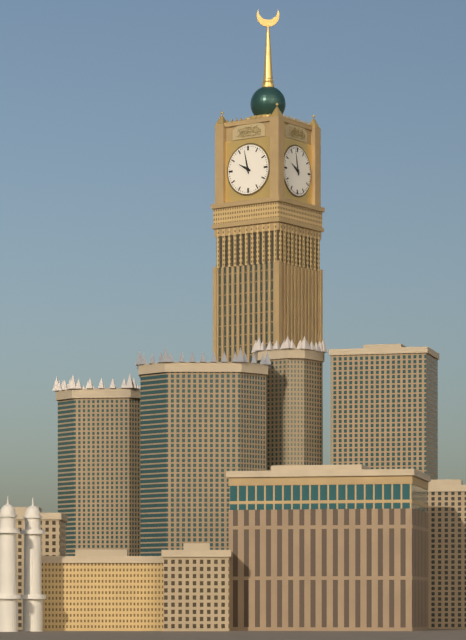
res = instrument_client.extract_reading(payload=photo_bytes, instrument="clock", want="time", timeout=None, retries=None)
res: 9:58
